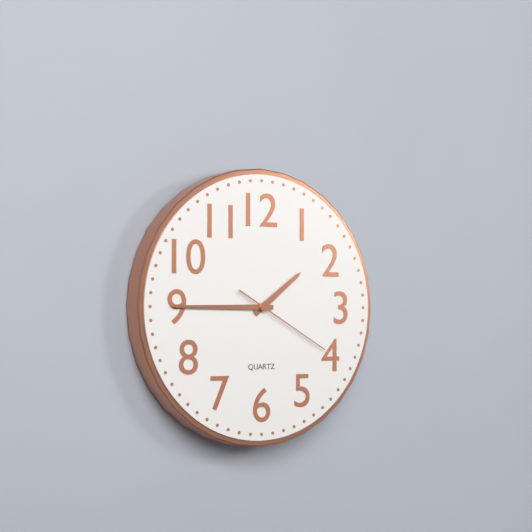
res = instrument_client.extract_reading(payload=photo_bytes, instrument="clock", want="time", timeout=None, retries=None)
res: 1:45:20
